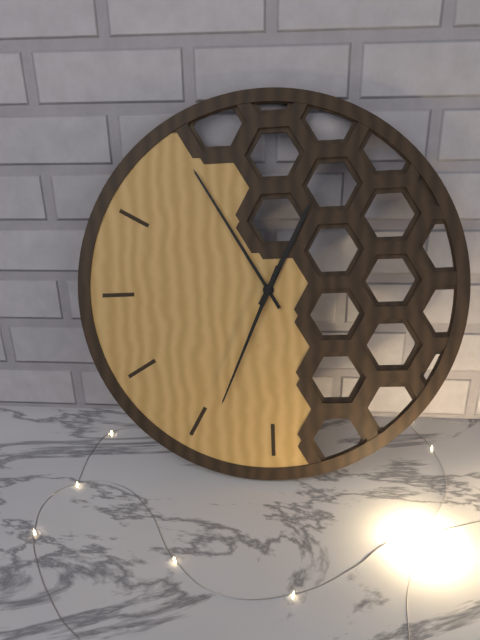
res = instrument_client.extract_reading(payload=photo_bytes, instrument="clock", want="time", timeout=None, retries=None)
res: 12:55:34
